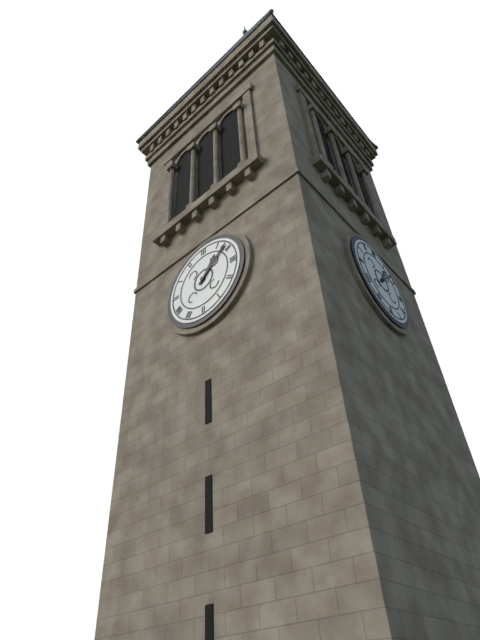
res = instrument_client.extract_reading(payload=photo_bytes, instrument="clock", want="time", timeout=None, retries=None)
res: 1:08
